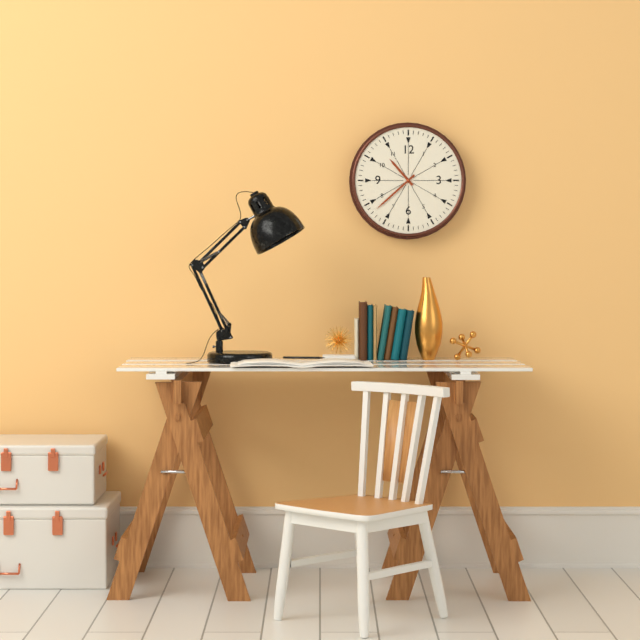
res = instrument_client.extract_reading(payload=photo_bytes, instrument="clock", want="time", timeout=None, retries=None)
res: 10:38
